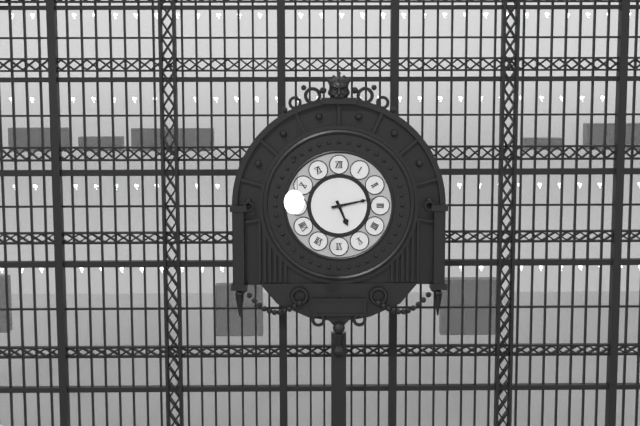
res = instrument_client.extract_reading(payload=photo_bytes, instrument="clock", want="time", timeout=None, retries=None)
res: 5:13
